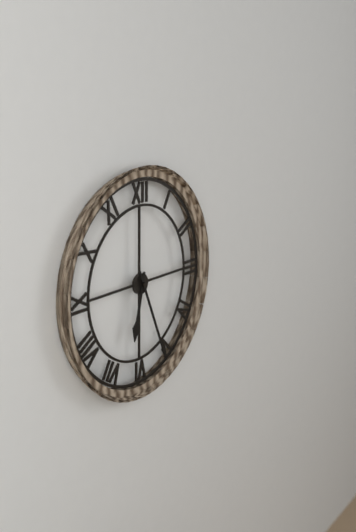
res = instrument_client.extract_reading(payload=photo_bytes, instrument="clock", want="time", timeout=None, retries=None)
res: 6:26
